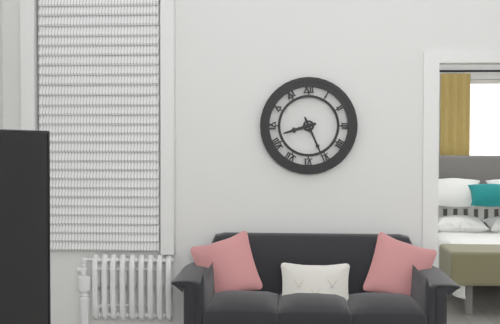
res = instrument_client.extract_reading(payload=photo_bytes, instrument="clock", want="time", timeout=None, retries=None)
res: 8:26
